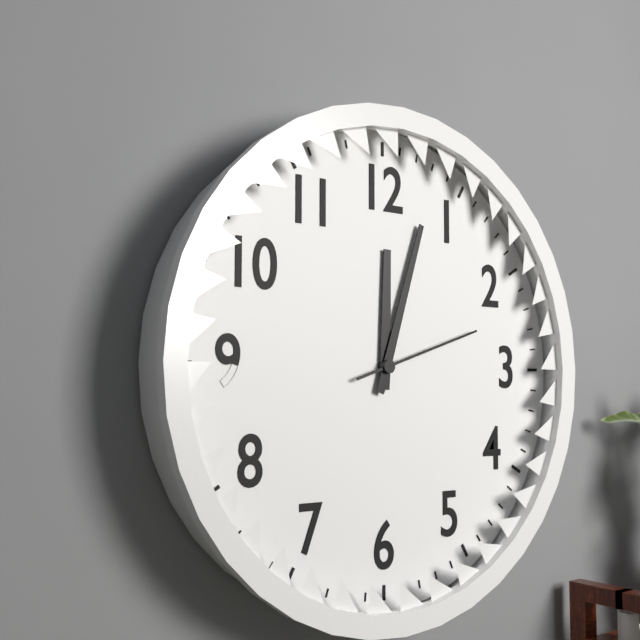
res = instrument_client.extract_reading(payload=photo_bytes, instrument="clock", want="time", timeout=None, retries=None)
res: 12:03:12
